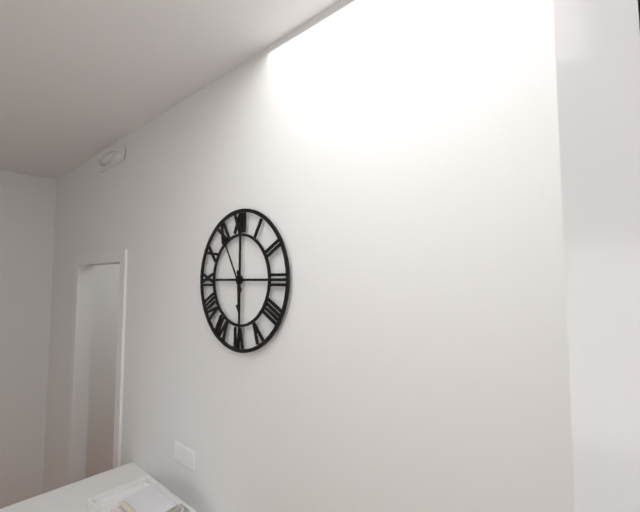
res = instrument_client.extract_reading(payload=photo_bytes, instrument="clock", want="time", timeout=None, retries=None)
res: 5:55
